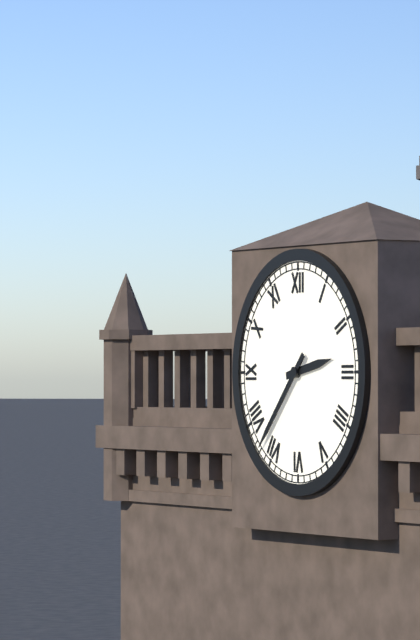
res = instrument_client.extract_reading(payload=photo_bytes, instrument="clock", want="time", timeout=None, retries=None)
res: 2:37
